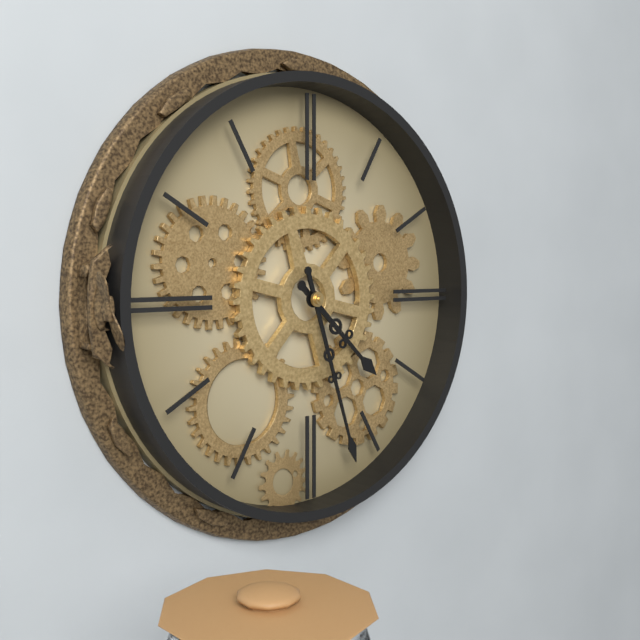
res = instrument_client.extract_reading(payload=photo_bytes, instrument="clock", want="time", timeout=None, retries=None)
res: 4:27
